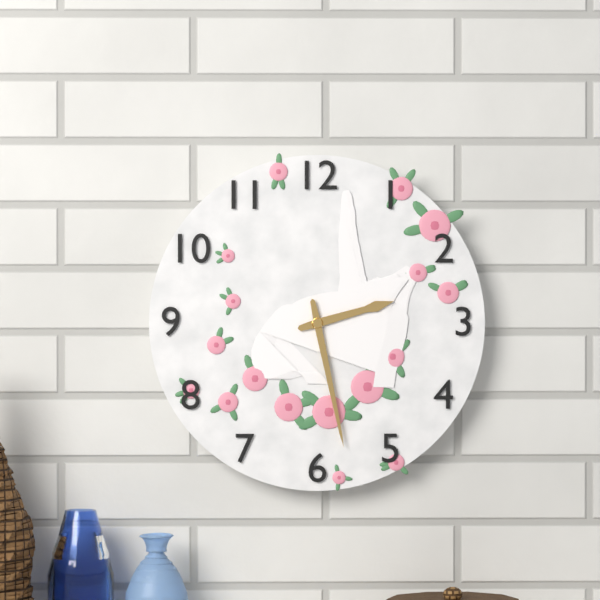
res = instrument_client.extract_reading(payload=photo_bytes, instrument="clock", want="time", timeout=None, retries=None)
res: 2:28
